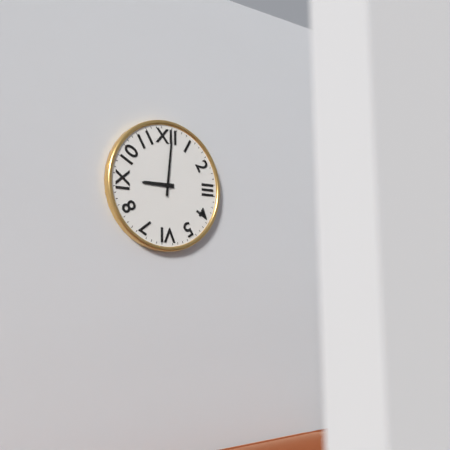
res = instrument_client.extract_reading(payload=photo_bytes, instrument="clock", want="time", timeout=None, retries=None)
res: 9:01
